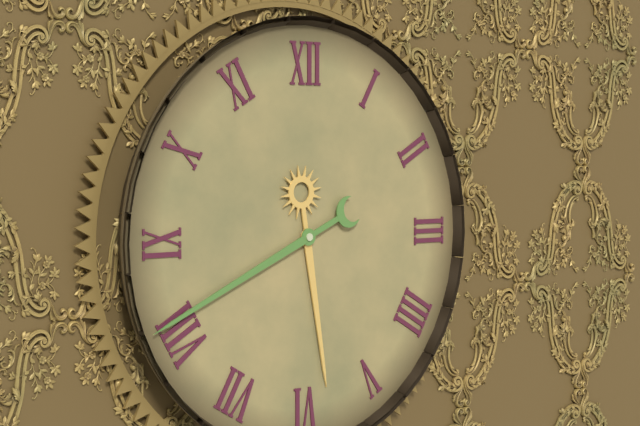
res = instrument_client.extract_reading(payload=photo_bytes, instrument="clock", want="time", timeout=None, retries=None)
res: 5:41
